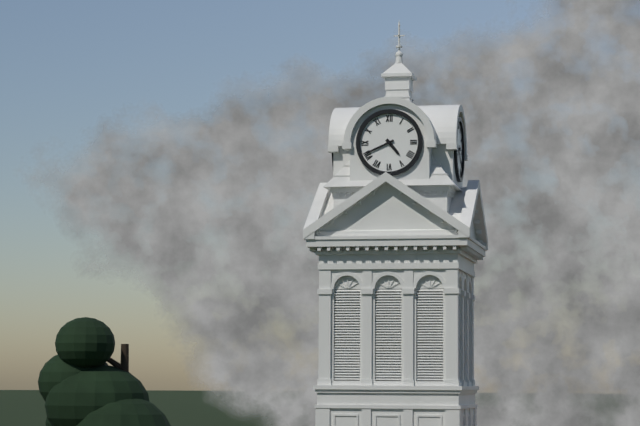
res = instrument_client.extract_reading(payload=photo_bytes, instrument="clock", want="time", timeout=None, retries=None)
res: 4:41
